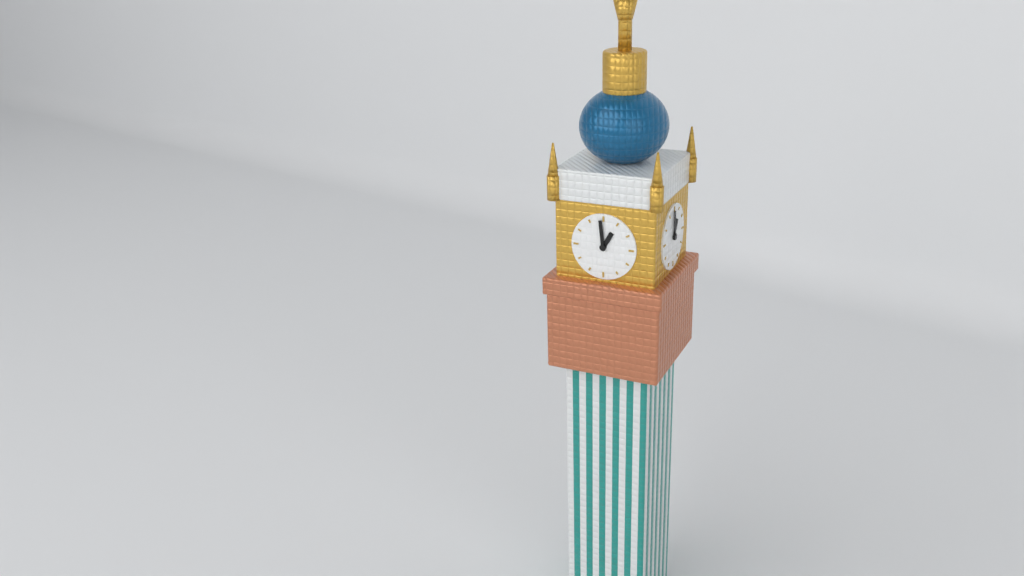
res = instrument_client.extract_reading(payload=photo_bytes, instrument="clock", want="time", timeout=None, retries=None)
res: 12:59
